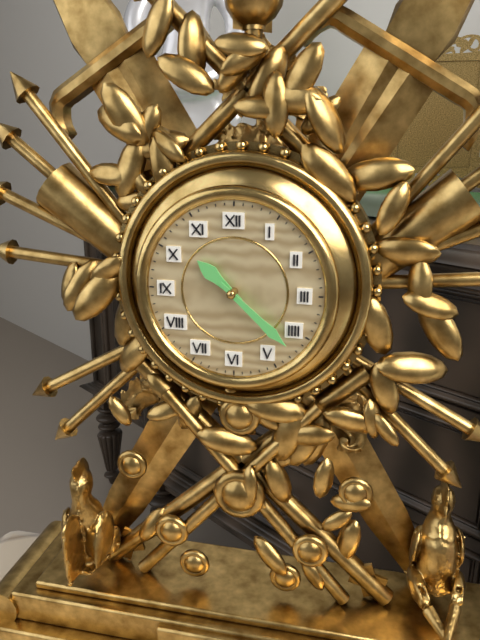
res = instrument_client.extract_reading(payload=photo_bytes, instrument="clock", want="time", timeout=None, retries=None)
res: 10:22
